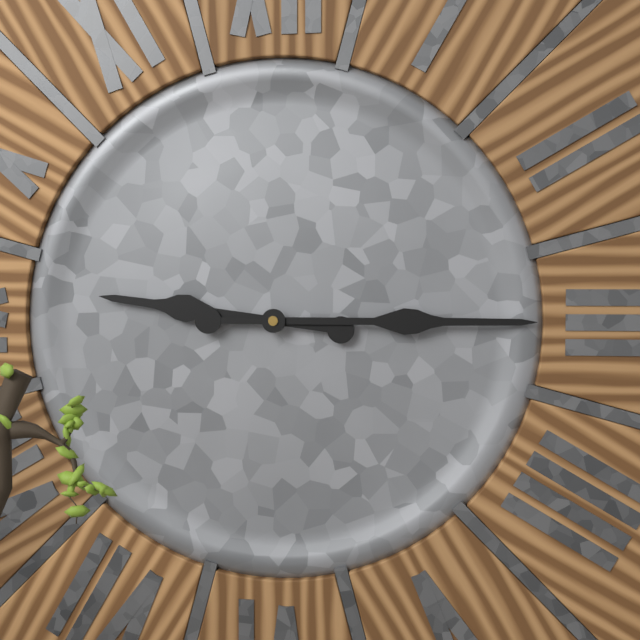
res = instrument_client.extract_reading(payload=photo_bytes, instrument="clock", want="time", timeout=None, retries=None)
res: 9:15
